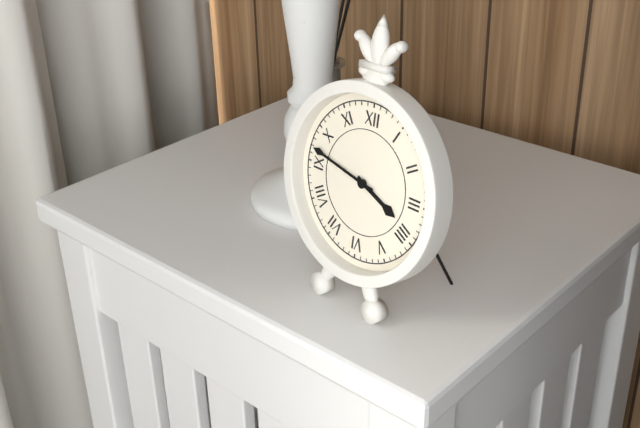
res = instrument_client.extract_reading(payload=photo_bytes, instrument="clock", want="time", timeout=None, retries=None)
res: 3:47
